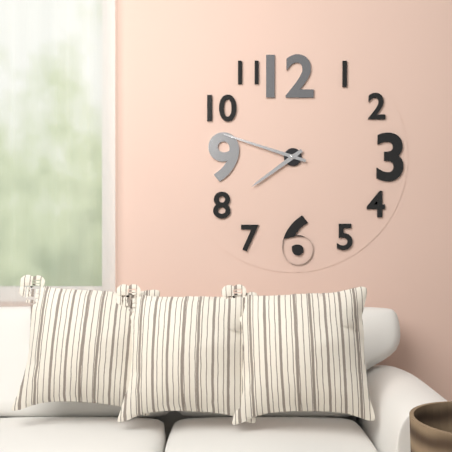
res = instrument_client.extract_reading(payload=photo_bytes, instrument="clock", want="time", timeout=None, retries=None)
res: 7:48
